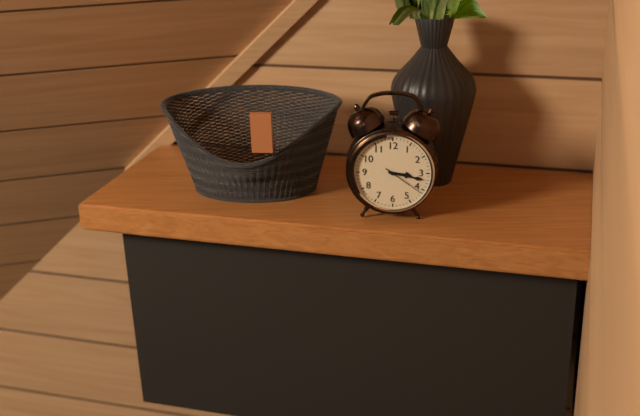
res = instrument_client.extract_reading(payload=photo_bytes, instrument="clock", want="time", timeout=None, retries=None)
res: 3:17
